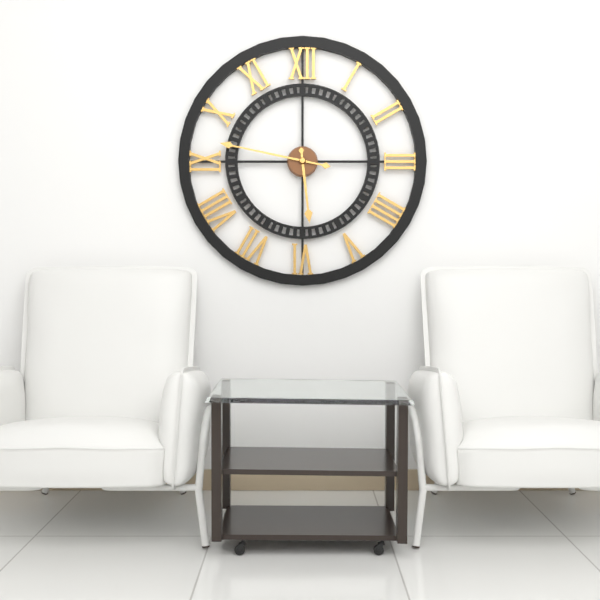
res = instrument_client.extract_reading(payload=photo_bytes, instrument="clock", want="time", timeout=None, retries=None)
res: 5:47
